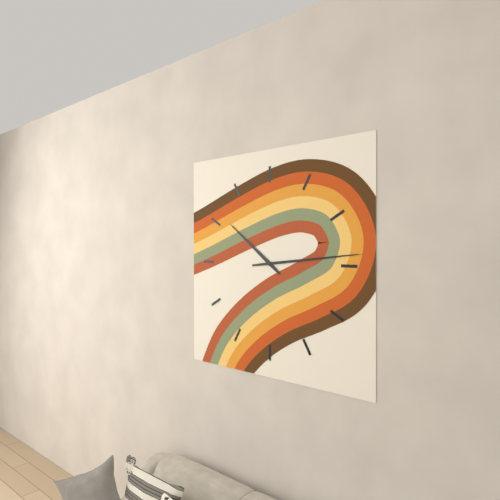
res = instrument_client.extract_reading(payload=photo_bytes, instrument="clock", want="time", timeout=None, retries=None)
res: 10:14
